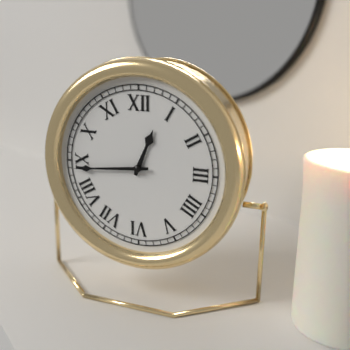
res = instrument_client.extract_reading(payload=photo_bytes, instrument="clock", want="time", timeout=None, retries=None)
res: 12:44
